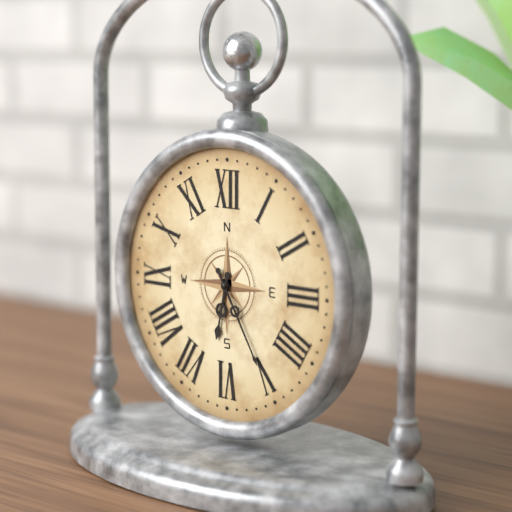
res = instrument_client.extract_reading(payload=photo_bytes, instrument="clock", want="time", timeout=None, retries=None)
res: 6:25
